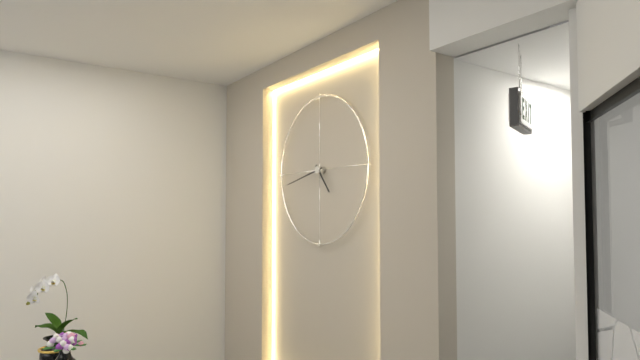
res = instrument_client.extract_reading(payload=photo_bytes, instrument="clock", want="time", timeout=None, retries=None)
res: 4:43
